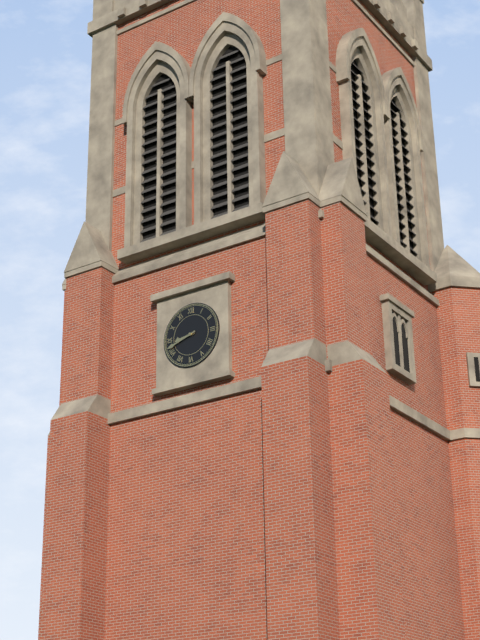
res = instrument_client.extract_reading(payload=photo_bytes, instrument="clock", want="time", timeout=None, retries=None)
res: 8:42
